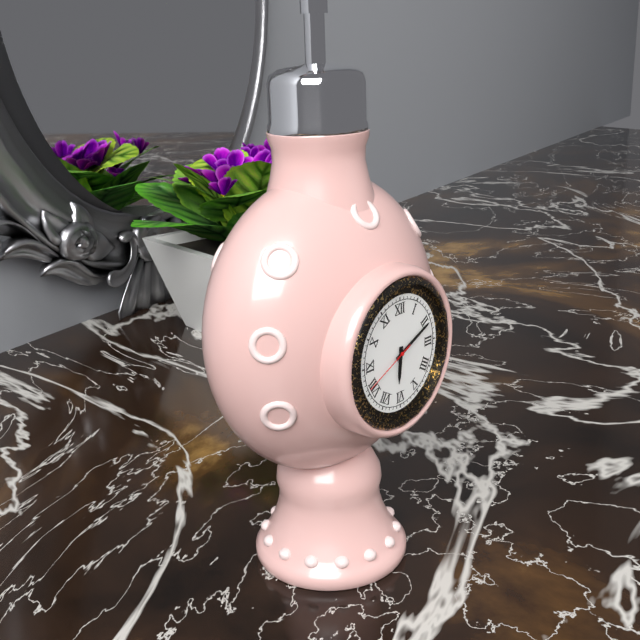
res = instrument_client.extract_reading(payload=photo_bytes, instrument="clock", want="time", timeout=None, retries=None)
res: 6:11:41
